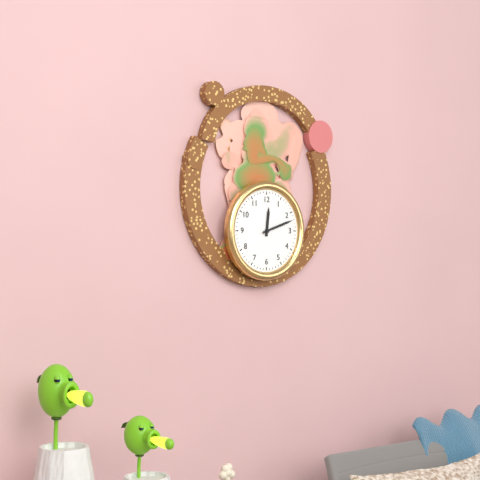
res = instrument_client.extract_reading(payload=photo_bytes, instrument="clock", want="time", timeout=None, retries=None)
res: 12:12
